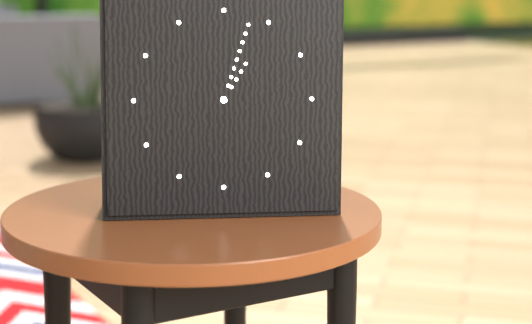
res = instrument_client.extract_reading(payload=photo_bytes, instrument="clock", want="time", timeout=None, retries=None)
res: 1:03
